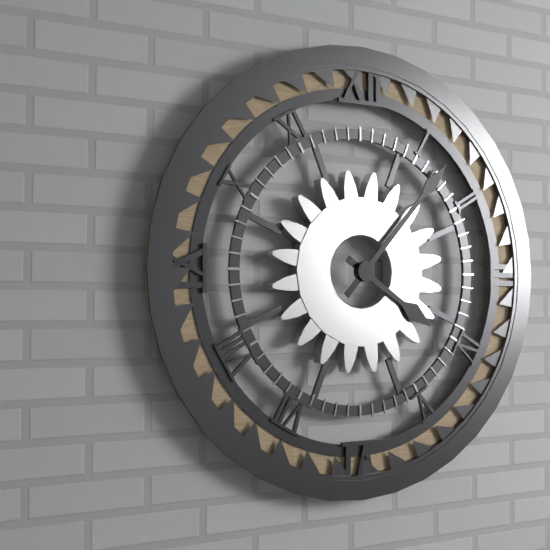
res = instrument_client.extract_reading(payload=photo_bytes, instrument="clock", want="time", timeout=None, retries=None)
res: 4:07
